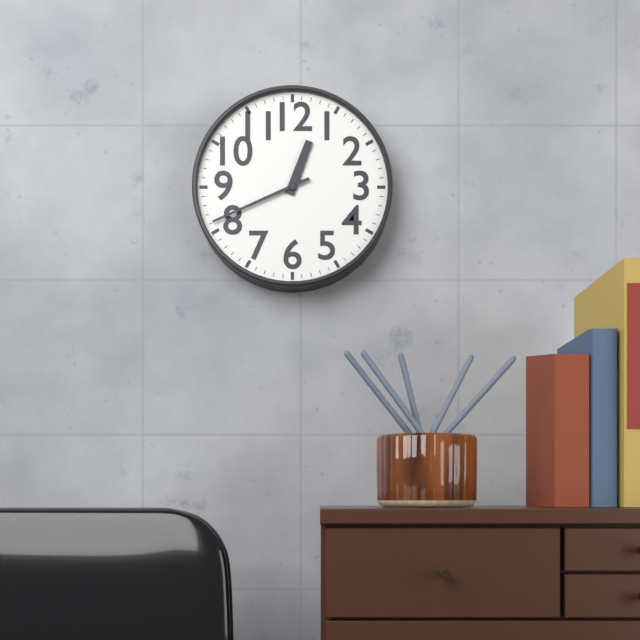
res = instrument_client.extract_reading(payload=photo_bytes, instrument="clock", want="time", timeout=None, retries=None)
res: 12:41
